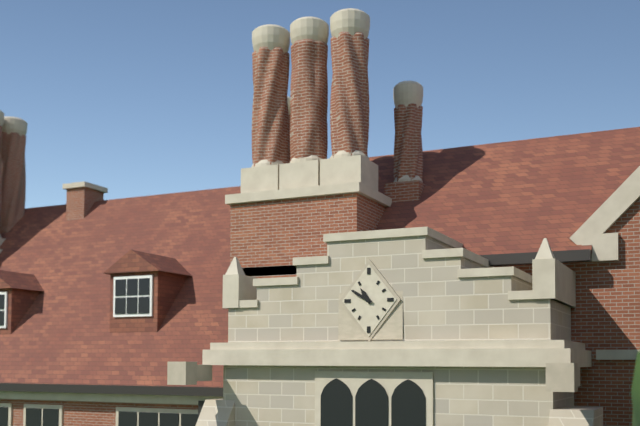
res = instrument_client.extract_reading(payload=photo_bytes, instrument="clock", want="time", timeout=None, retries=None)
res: 10:50
